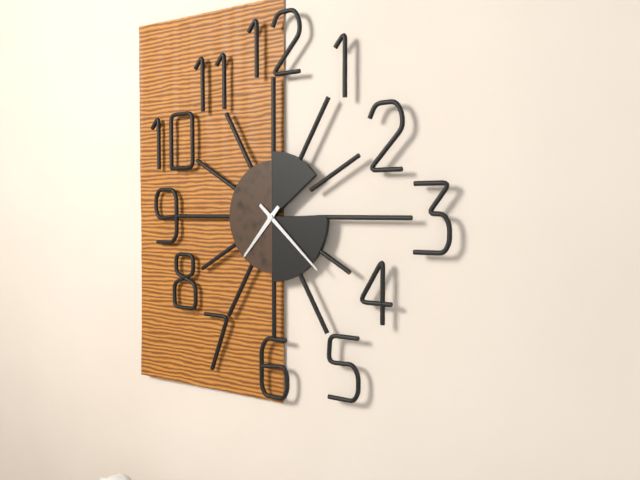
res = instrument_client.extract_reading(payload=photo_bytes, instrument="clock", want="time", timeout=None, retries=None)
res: 7:22
